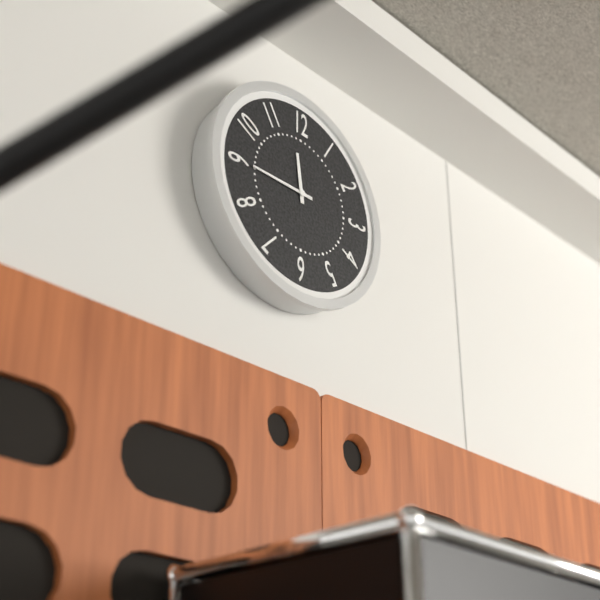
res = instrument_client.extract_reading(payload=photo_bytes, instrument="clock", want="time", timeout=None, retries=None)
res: 11:45
